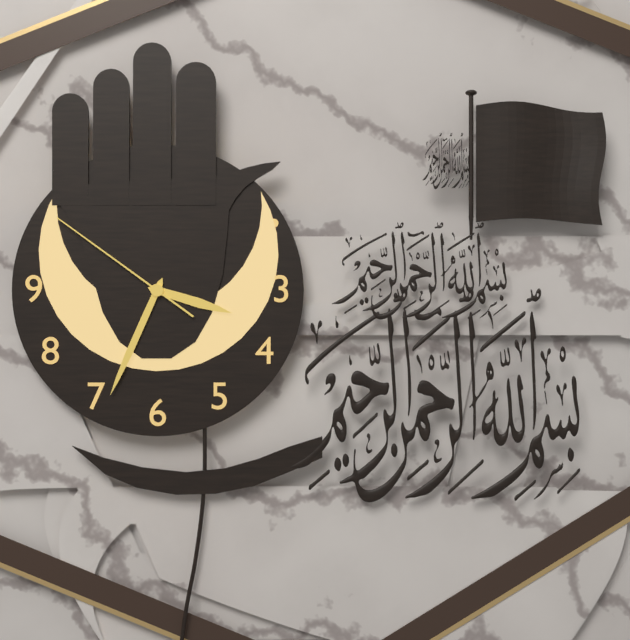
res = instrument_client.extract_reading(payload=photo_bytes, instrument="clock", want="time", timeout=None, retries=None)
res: 3:34:51
